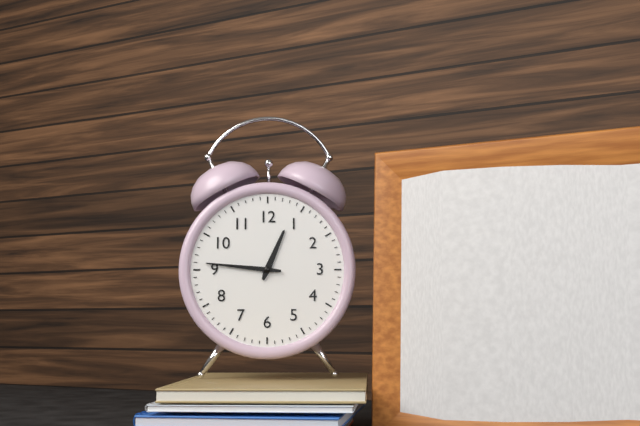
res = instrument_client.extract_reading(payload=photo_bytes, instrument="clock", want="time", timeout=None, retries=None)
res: 12:46
